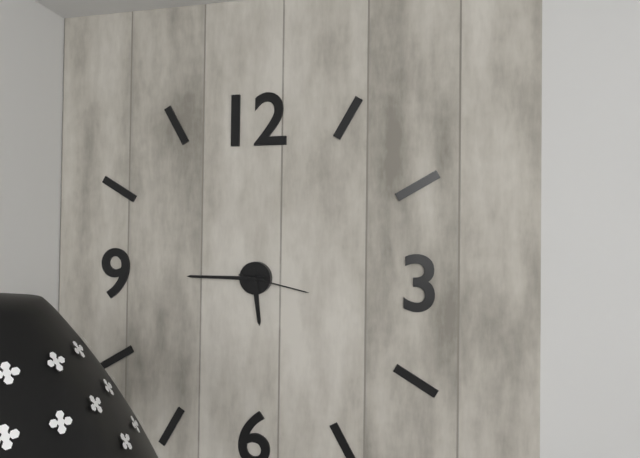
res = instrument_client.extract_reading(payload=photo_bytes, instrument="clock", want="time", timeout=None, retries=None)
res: 5:45:17
